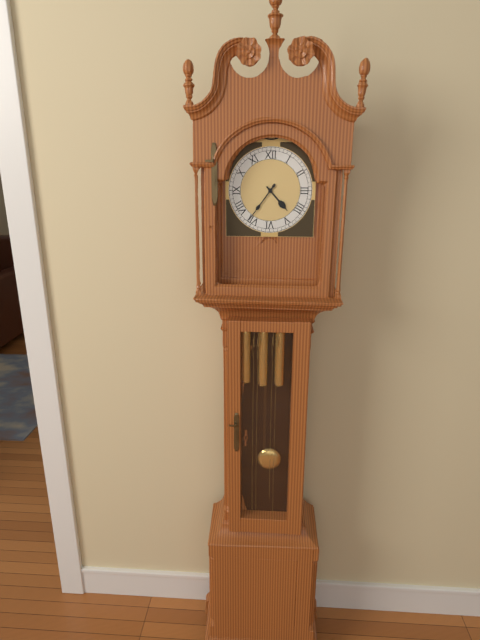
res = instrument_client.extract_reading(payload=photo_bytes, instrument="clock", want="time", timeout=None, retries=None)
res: 4:36
